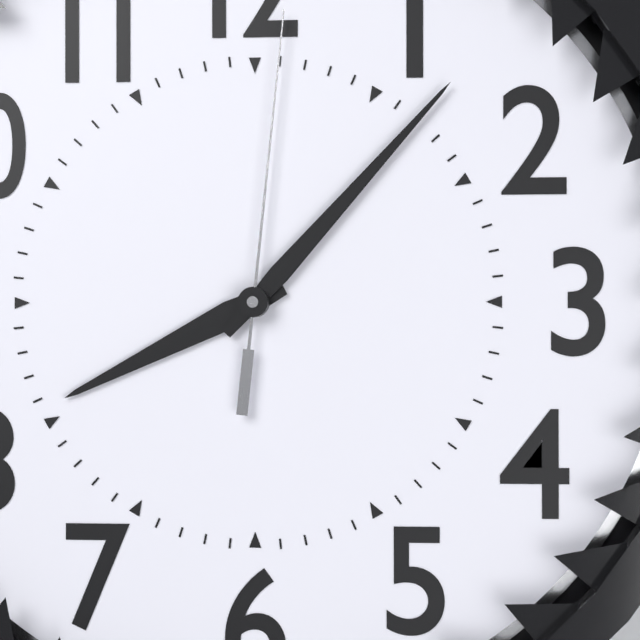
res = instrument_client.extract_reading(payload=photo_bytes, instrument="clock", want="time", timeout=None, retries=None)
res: 8:07:01
